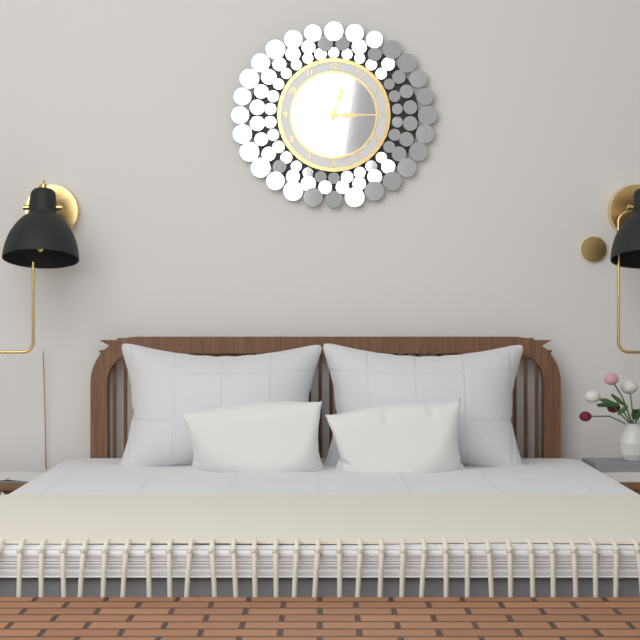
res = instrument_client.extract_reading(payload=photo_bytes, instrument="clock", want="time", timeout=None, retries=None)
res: 3:03
